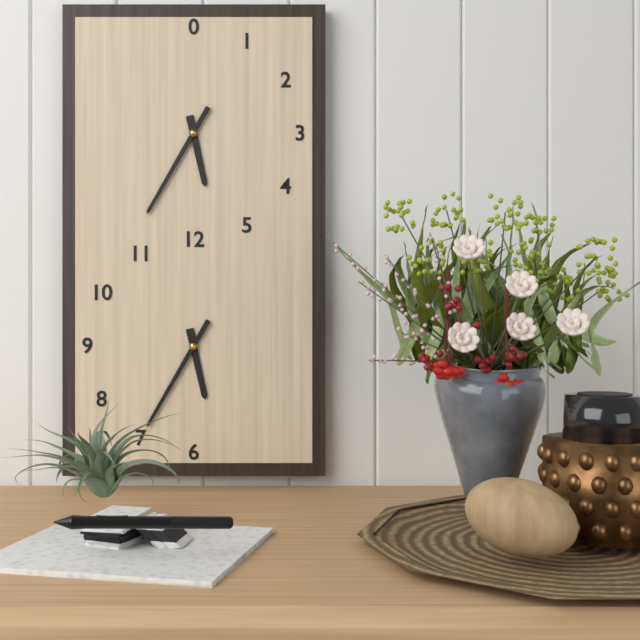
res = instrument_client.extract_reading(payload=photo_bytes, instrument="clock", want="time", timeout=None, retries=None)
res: 5:35
